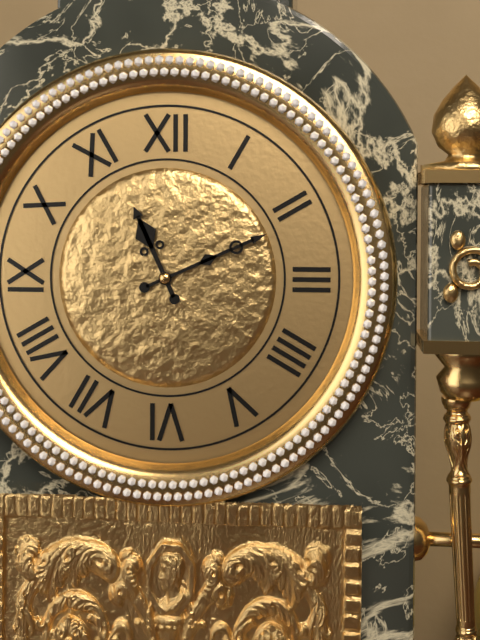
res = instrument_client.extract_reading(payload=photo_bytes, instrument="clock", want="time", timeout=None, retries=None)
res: 11:11
